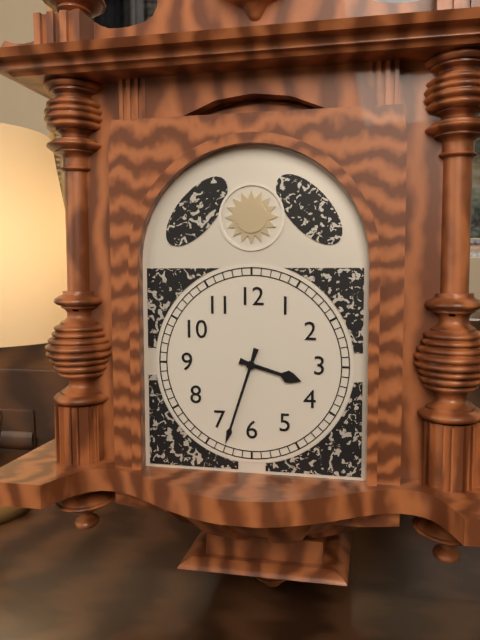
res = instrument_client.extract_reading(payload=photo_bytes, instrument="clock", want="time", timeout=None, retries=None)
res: 3:33
